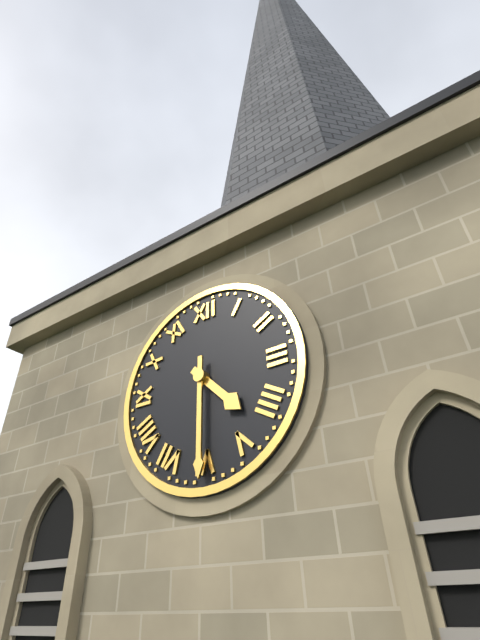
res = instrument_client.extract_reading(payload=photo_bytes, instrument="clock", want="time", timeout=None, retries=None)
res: 4:30
